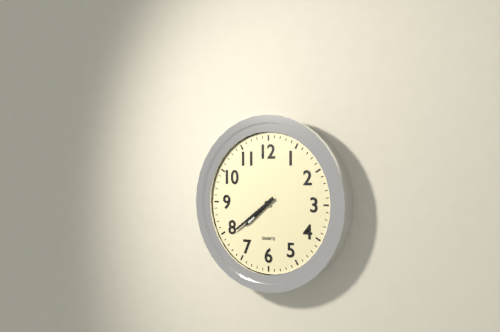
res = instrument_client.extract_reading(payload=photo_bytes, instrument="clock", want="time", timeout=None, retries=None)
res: 7:39
